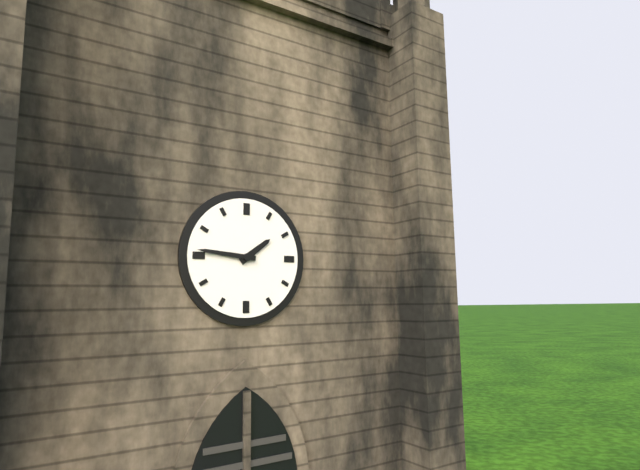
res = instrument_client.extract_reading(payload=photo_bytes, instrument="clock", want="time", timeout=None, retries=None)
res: 1:46
